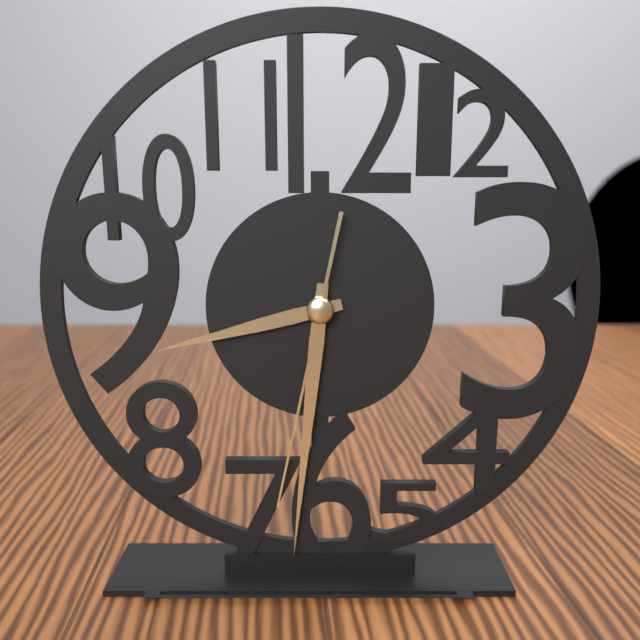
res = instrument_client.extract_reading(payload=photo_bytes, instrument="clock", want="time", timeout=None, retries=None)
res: 8:31:32
